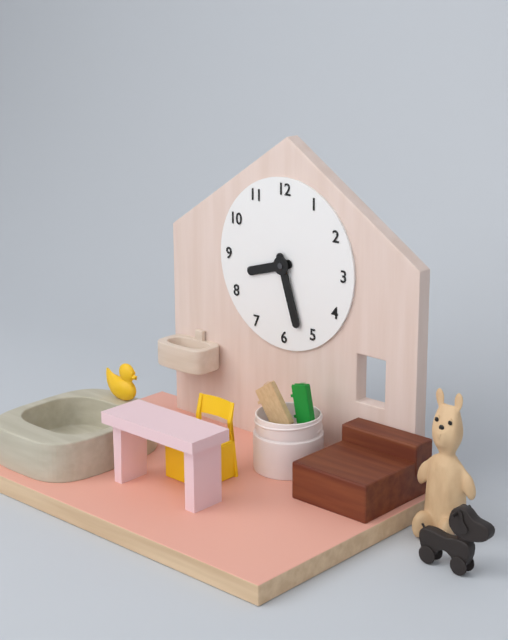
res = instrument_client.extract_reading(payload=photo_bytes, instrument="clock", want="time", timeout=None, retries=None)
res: 8:27
